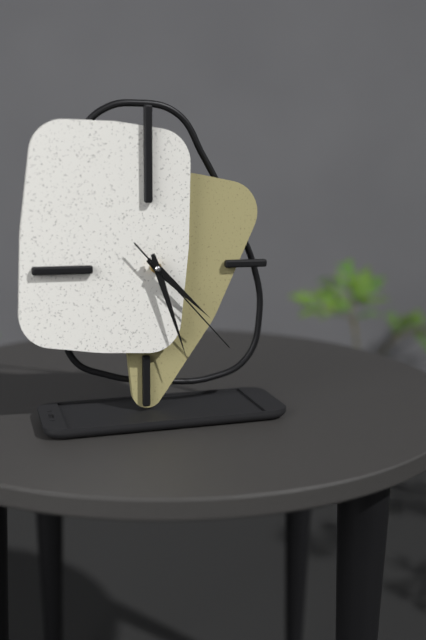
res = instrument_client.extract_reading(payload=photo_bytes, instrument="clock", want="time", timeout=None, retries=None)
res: 4:27:23
